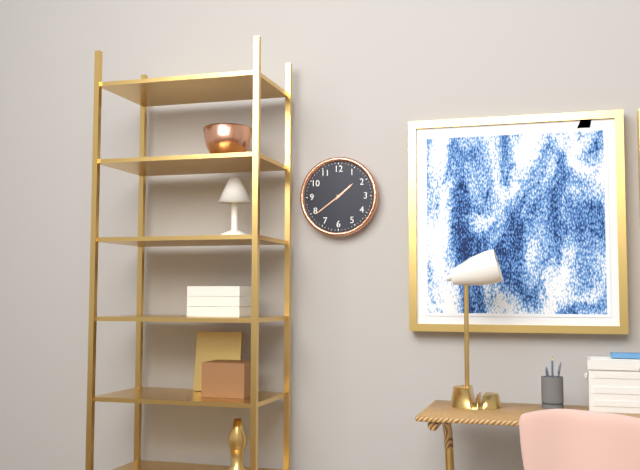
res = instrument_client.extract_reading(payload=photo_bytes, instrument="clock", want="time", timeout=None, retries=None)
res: 1:39
